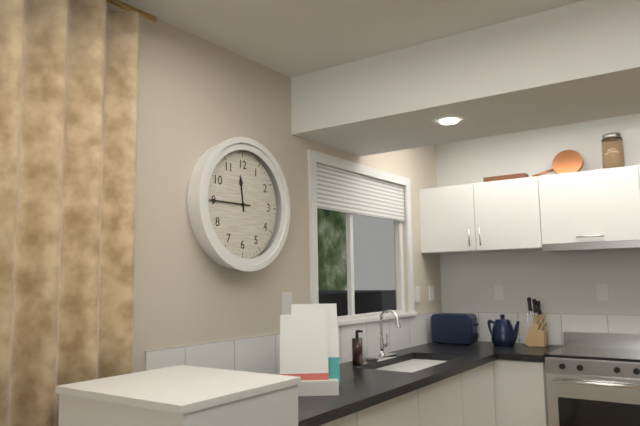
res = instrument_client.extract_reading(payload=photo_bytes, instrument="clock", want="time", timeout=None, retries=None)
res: 11:45
